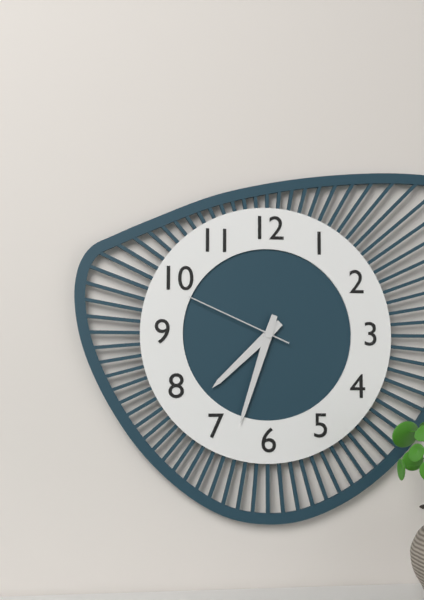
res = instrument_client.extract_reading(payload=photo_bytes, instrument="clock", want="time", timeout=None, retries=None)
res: 7:33:49
